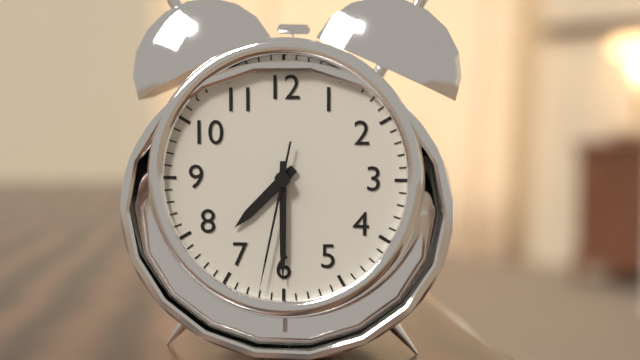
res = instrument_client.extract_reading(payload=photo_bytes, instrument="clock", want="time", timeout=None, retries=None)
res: 7:30:32
